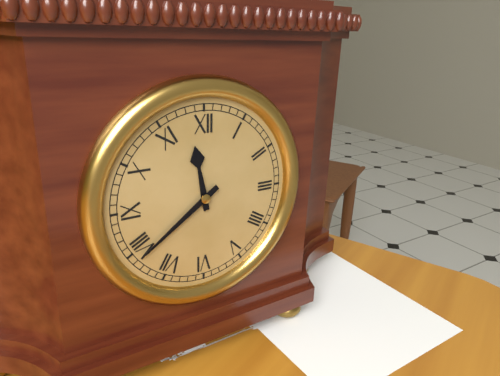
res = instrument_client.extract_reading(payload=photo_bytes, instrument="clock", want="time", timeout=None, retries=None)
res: 11:39
